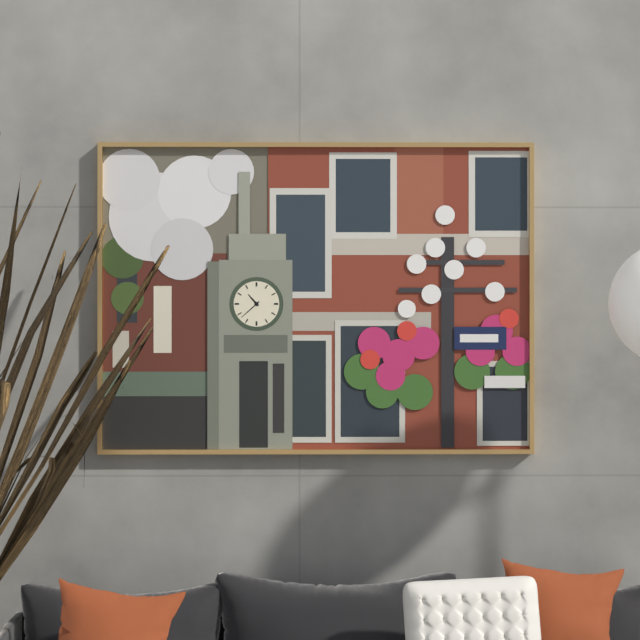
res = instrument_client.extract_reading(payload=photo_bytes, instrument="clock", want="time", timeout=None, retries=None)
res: 10:38
